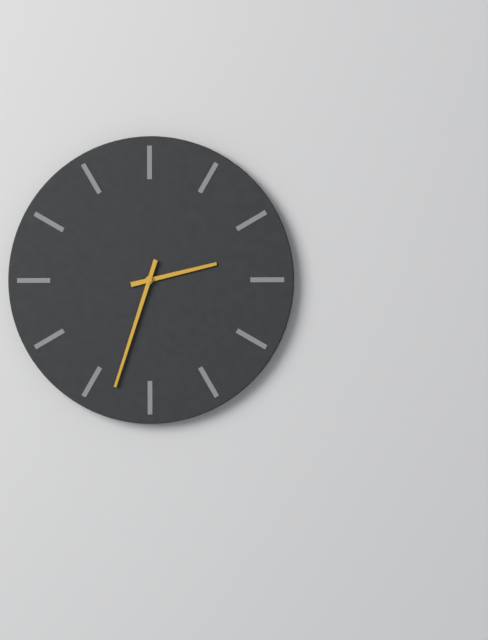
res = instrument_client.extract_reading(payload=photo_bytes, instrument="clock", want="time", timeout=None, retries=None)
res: 2:33
